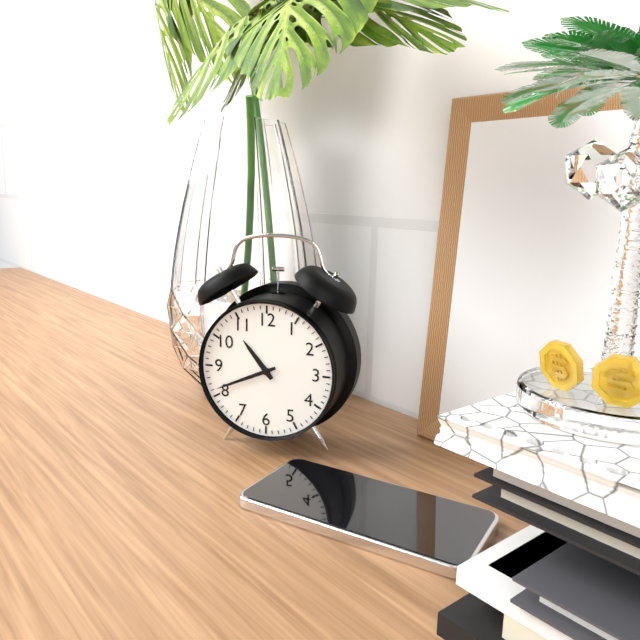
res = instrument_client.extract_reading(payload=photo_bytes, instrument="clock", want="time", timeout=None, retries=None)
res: 10:41
